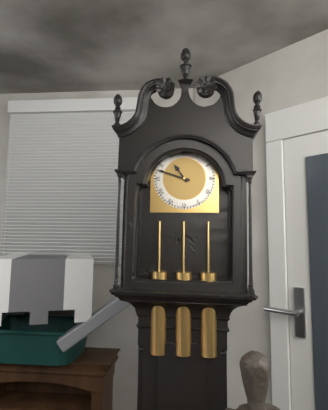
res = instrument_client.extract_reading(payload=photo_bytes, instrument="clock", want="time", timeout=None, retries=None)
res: 10:48
